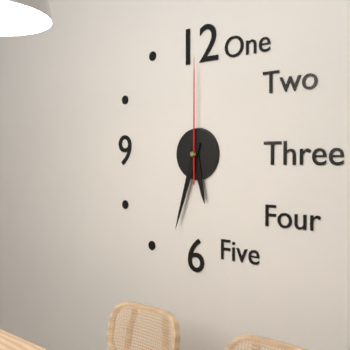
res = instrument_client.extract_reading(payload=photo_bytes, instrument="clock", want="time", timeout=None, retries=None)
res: 5:33:00
